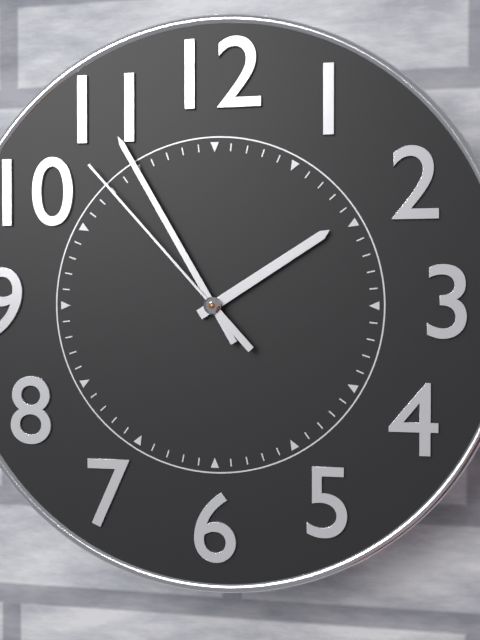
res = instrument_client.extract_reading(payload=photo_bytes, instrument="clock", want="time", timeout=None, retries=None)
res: 1:55:53
